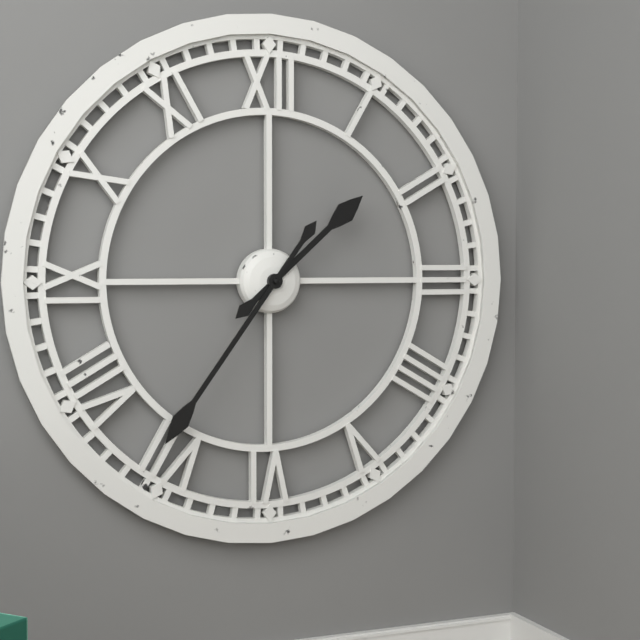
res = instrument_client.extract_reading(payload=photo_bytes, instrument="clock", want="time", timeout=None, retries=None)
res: 1:36
